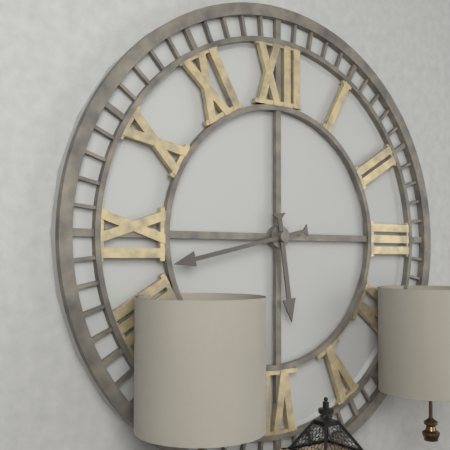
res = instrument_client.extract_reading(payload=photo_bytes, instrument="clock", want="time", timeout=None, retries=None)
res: 5:43
